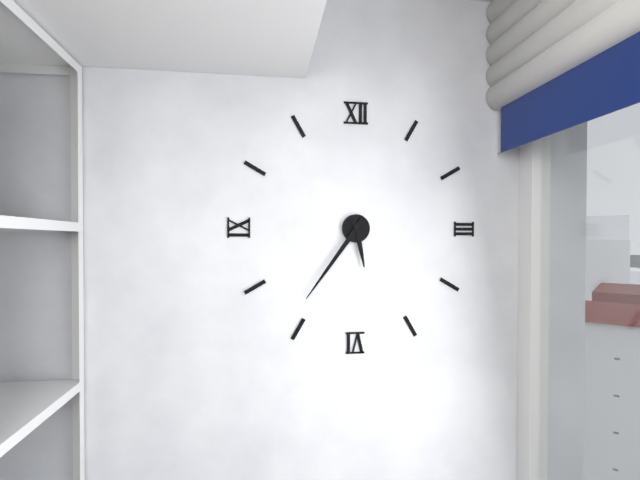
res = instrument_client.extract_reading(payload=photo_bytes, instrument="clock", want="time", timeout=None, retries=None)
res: 5:36
